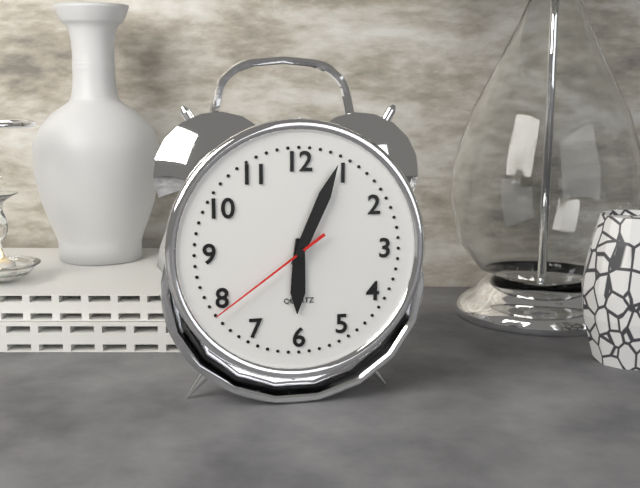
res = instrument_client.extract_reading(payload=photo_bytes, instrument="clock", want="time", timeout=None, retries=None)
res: 6:04:39
